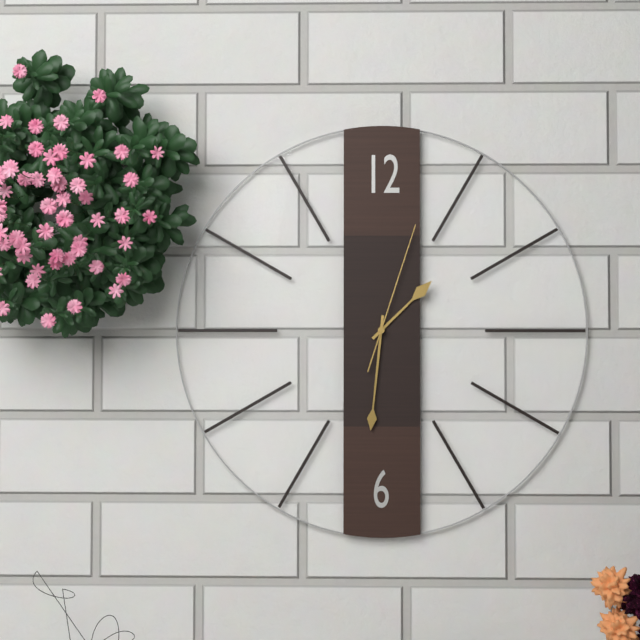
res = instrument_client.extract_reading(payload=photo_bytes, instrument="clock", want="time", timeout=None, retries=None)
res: 1:31:03
